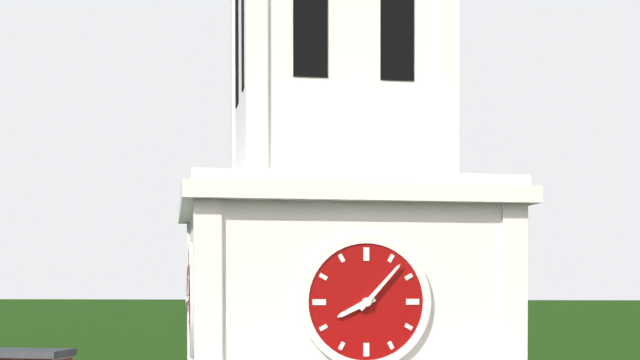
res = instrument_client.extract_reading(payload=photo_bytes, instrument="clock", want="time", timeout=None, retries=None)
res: 8:07
